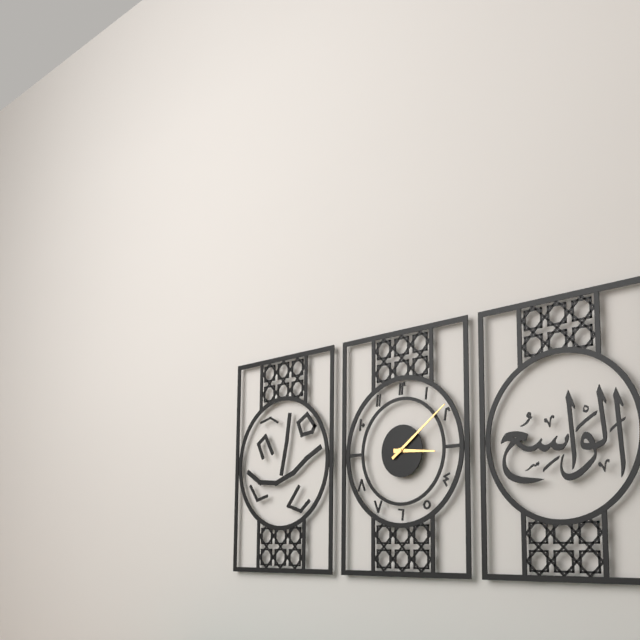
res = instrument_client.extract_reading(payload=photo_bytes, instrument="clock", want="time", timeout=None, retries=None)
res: 3:09
